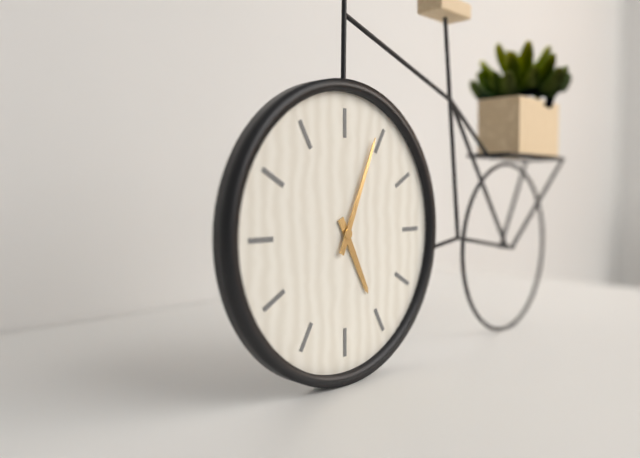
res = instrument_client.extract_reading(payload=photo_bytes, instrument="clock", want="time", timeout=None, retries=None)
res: 5:04
